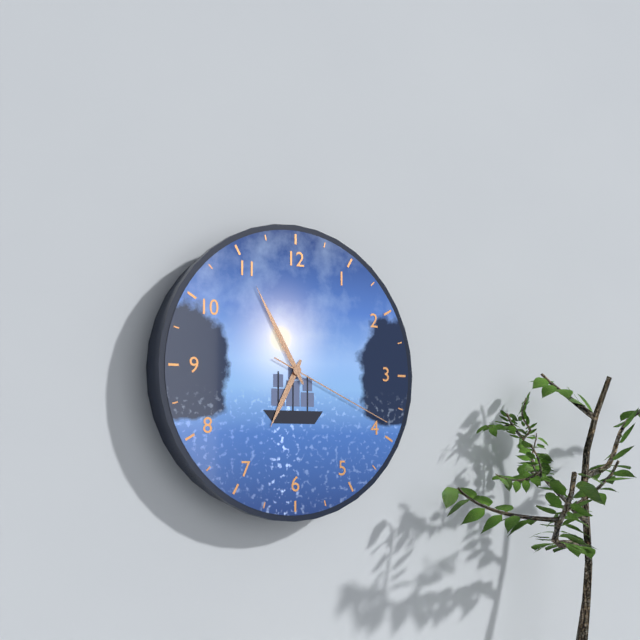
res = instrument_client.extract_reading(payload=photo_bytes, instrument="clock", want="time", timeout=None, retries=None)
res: 6:55:19
